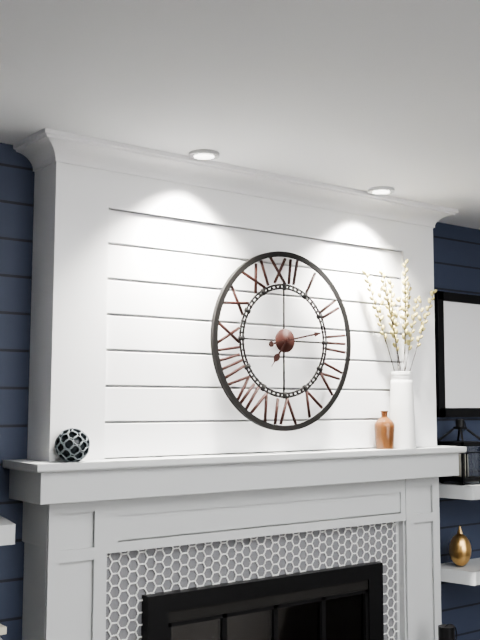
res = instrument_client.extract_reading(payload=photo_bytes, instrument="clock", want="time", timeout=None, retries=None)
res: 7:13
